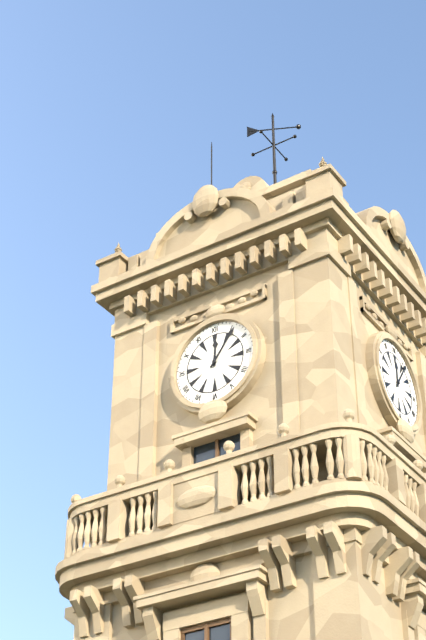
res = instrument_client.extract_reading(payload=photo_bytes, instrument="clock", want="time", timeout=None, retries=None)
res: 12:06
